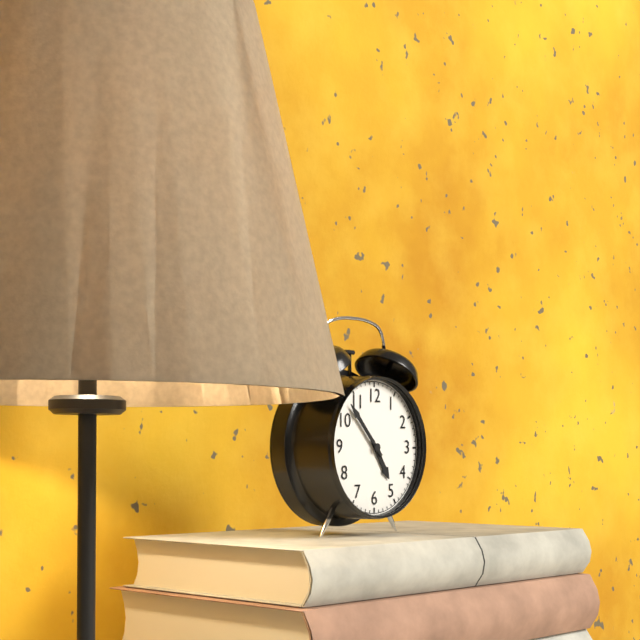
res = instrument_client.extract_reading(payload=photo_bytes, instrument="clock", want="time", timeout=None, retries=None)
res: 4:53
